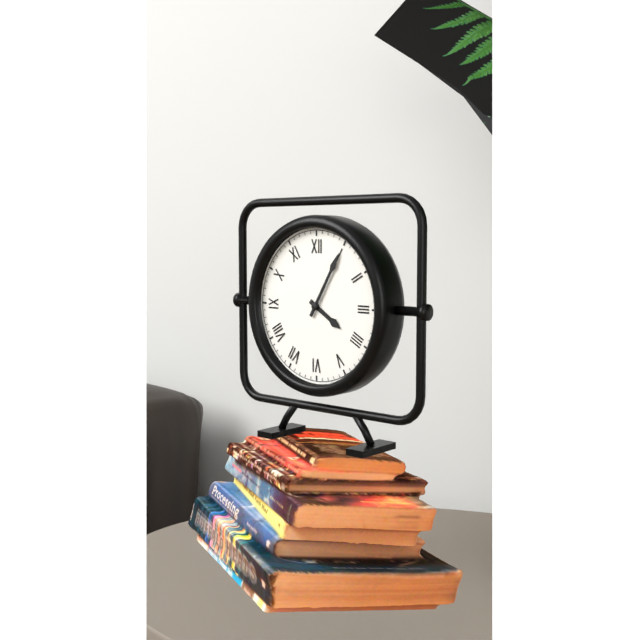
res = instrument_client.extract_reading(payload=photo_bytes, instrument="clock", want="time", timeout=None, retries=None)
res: 4:05
